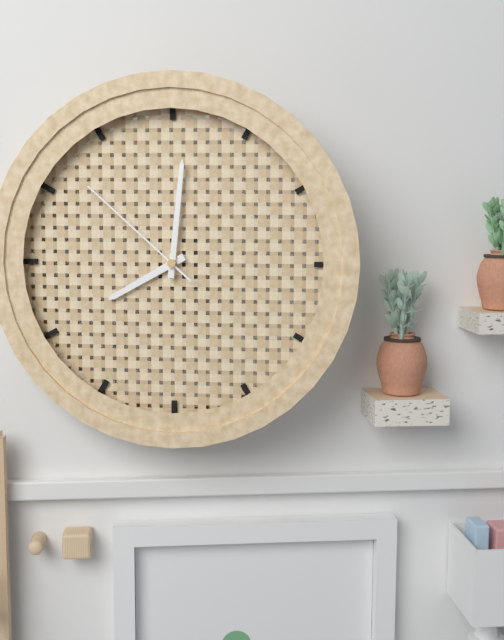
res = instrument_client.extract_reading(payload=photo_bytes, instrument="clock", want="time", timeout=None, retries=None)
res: 8:01:52
